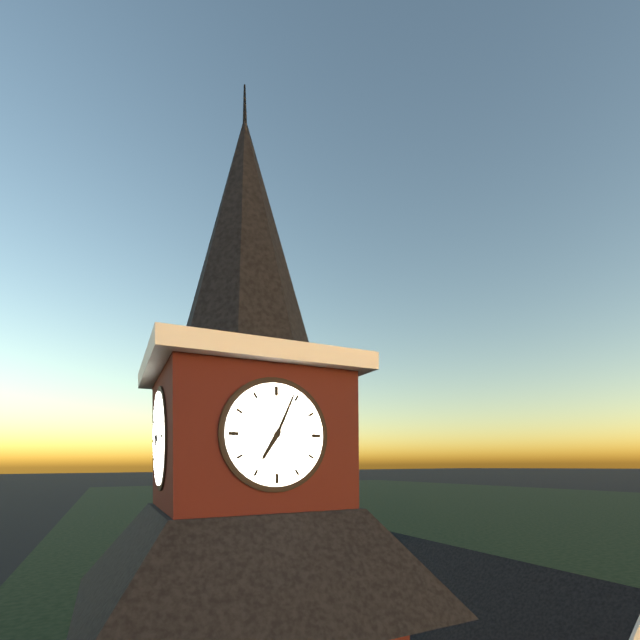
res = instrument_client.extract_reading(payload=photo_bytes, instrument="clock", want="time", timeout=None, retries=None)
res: 7:04
